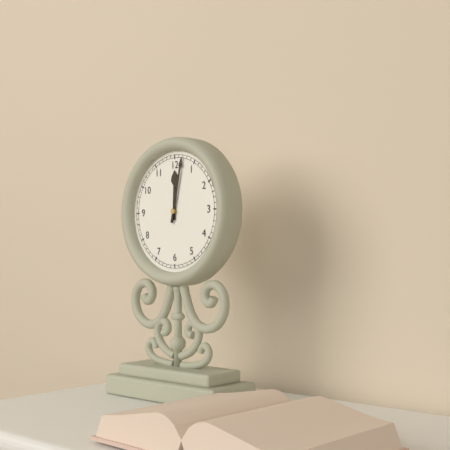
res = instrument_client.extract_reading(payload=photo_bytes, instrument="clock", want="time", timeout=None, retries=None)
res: 12:02
